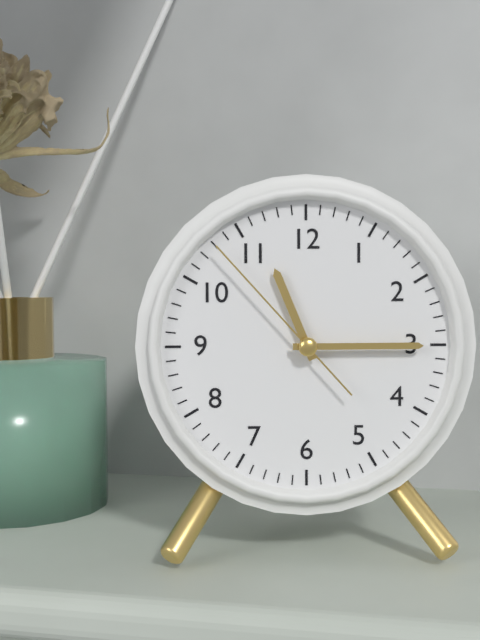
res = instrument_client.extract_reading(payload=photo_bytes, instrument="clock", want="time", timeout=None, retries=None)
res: 11:15:53
